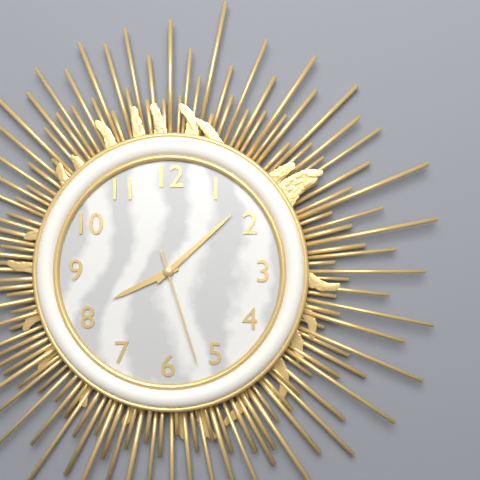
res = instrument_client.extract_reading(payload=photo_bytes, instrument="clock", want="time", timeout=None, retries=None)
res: 8:08:27
